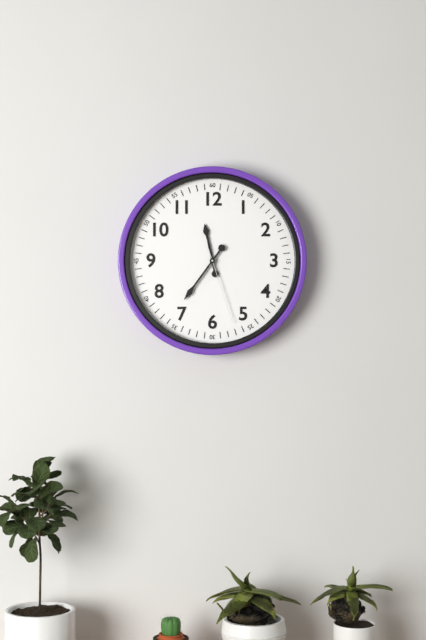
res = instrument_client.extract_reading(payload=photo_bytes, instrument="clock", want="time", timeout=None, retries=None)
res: 11:36:27
